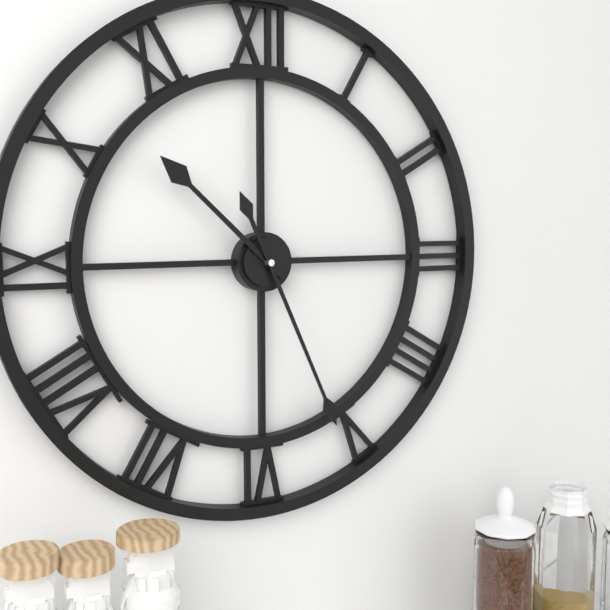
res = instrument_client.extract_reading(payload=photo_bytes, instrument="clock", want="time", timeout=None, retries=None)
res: 10:26
